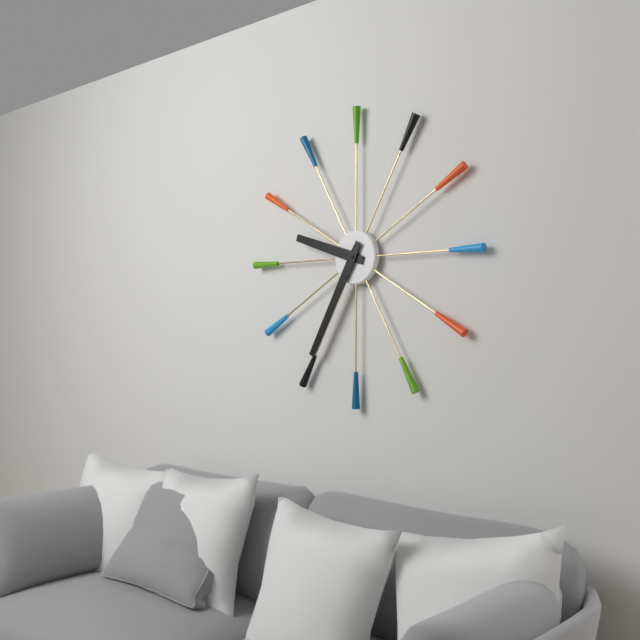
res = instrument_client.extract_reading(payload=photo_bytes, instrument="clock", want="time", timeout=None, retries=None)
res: 9:35
